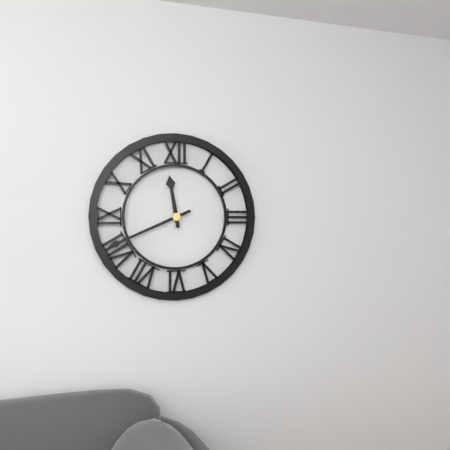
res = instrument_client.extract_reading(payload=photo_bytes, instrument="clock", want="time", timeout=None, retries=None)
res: 11:41
